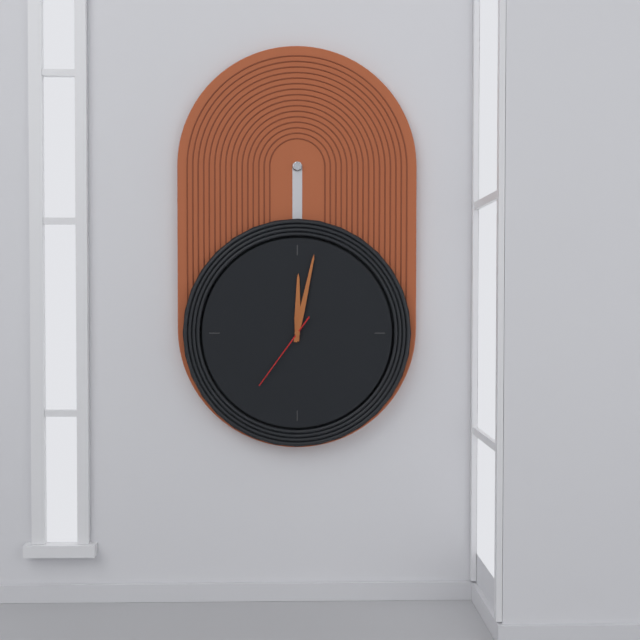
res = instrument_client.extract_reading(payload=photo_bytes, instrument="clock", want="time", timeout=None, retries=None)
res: 12:02:36
